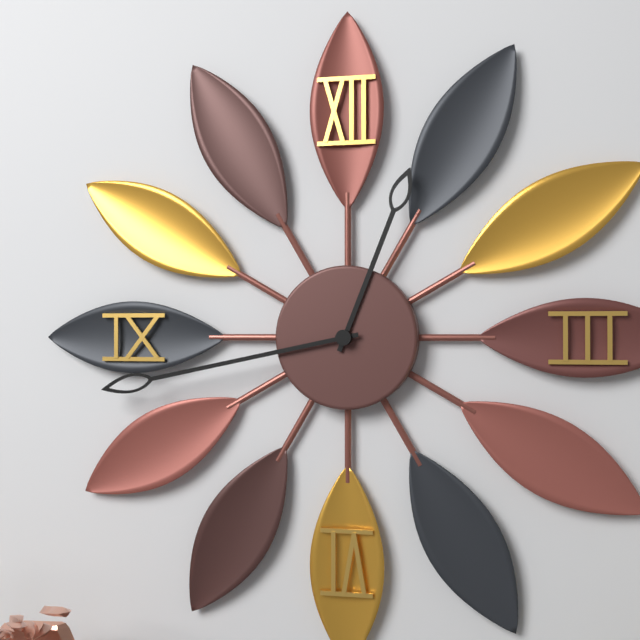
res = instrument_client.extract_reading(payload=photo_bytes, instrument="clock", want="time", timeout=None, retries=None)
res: 12:43
